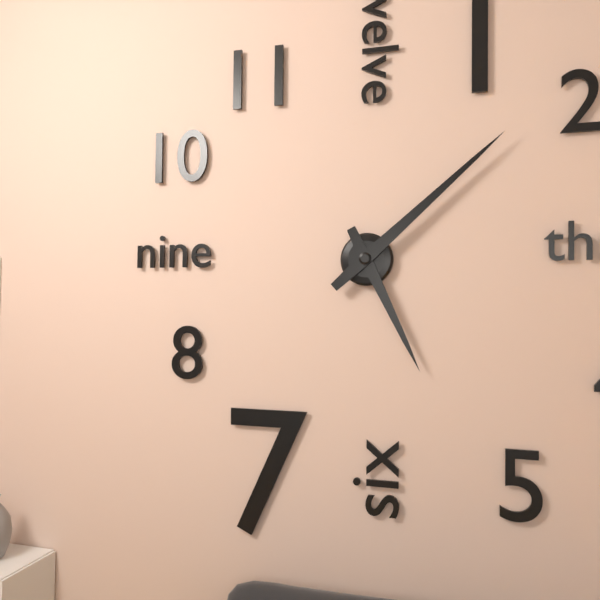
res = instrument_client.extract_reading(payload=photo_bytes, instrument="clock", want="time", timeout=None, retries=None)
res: 5:08
